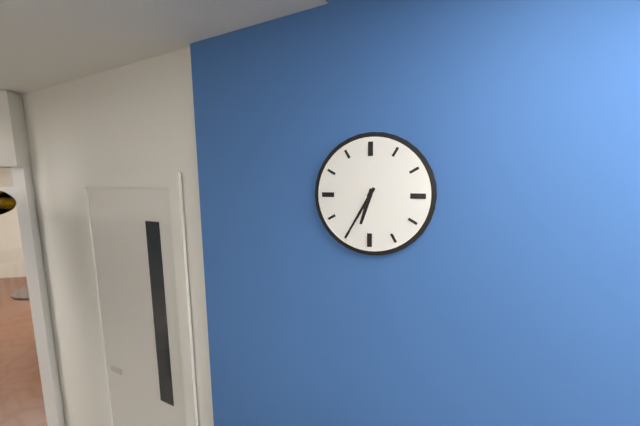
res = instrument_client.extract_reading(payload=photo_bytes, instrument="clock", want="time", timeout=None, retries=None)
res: 6:35
